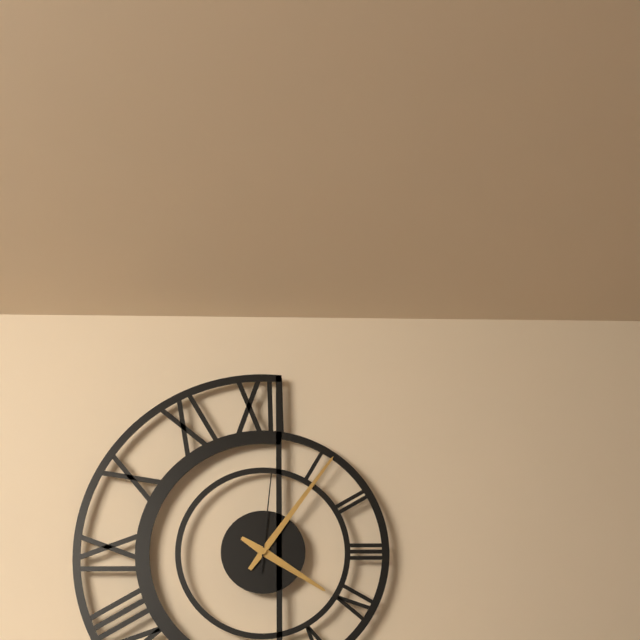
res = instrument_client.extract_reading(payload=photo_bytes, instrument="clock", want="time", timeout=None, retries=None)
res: 4:06:01
